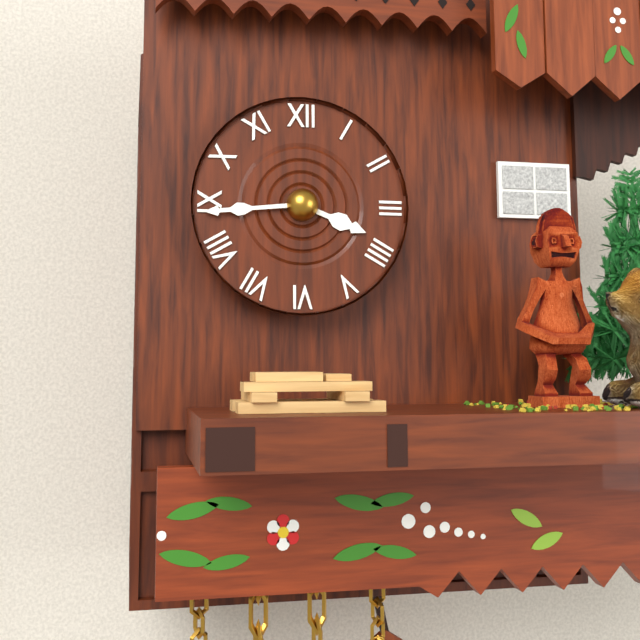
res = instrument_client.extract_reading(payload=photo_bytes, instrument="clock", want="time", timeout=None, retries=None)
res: 3:44
